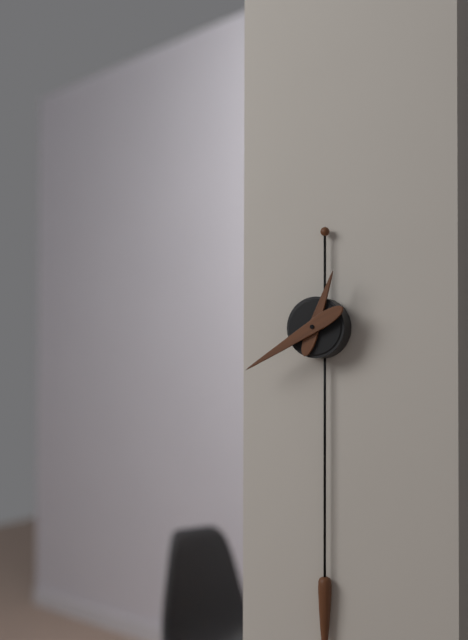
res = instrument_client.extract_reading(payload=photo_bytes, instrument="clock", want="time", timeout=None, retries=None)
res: 12:40
